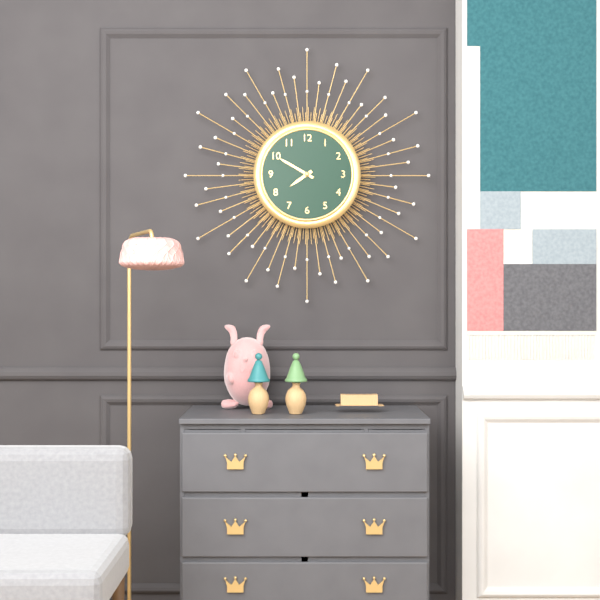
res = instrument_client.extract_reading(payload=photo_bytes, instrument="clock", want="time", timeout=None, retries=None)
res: 7:50
